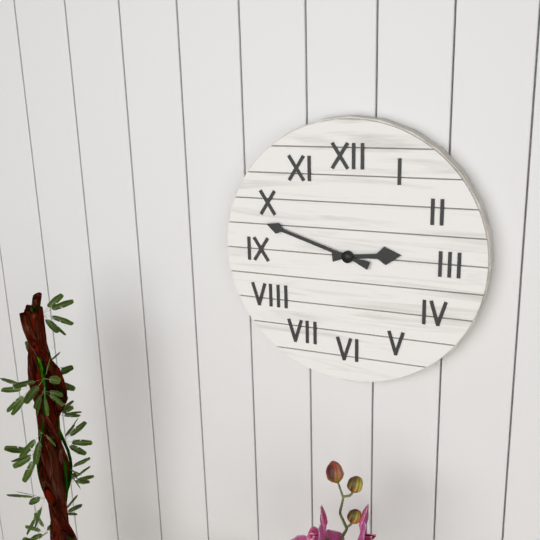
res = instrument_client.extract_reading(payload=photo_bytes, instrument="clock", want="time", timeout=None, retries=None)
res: 2:48
